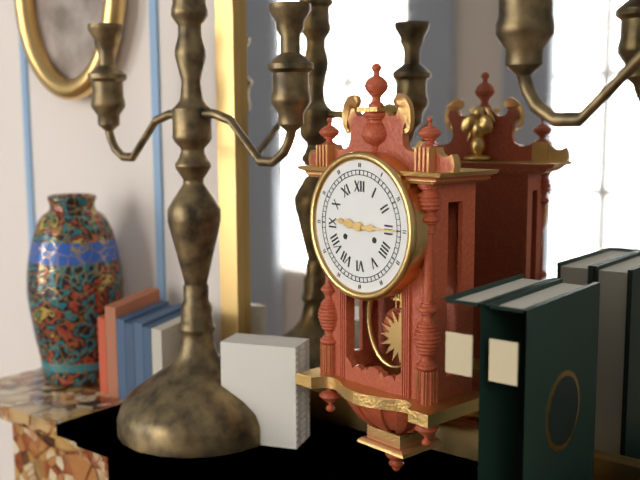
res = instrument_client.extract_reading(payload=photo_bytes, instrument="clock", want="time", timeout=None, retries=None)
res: 9:15
